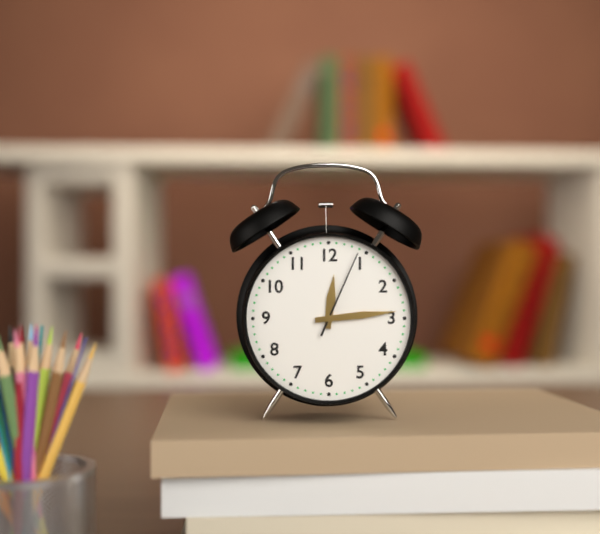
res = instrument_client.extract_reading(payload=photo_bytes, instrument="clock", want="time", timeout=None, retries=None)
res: 12:14:04
